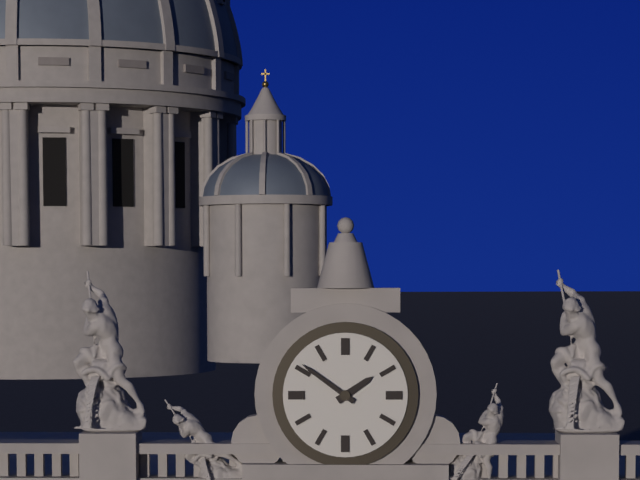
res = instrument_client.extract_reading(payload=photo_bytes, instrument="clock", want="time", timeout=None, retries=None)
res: 1:51
